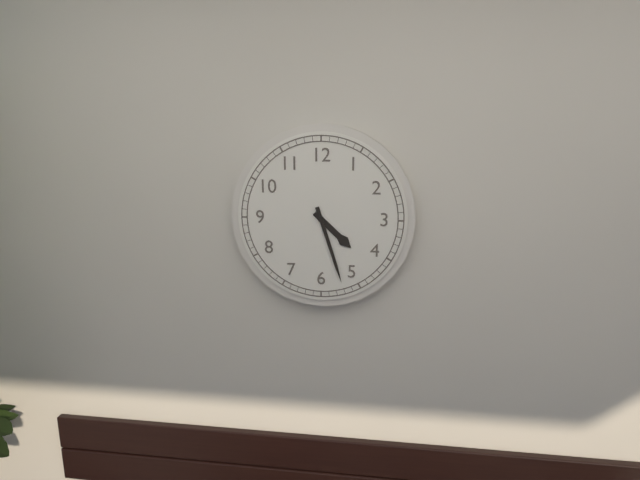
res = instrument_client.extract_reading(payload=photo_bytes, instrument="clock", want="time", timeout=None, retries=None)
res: 4:27
